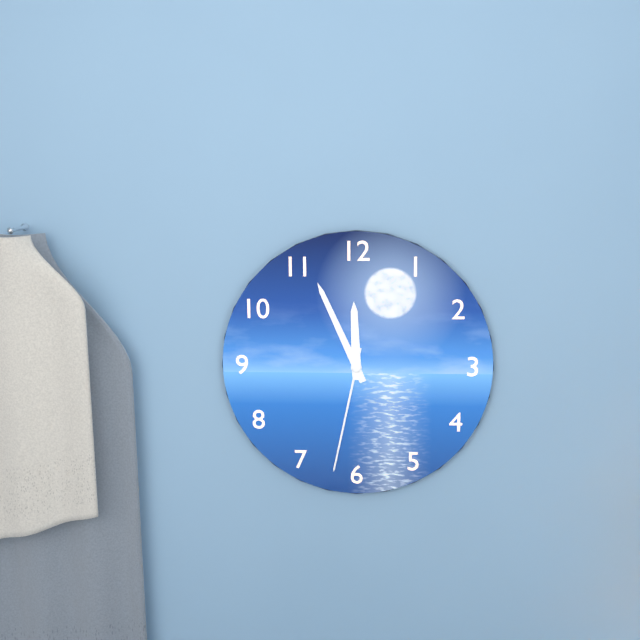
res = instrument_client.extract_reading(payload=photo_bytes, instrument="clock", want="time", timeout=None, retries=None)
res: 11:56:32
